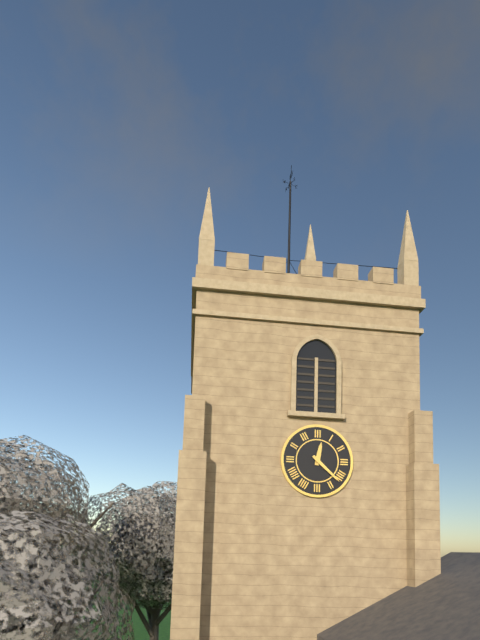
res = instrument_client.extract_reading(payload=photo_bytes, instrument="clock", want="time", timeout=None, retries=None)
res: 12:22
